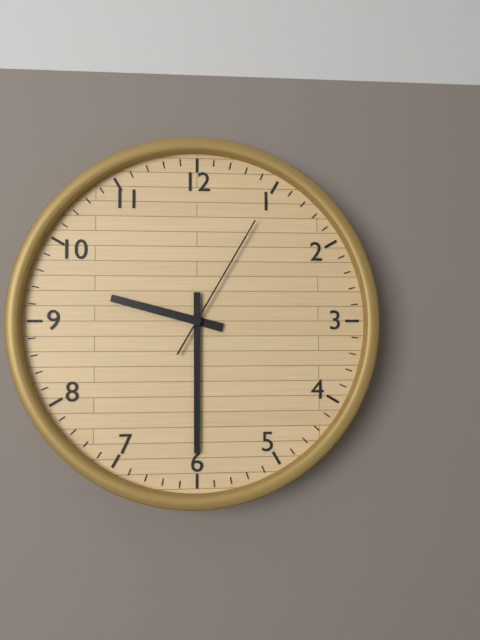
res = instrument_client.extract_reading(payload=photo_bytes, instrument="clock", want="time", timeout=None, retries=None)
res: 9:30:05
